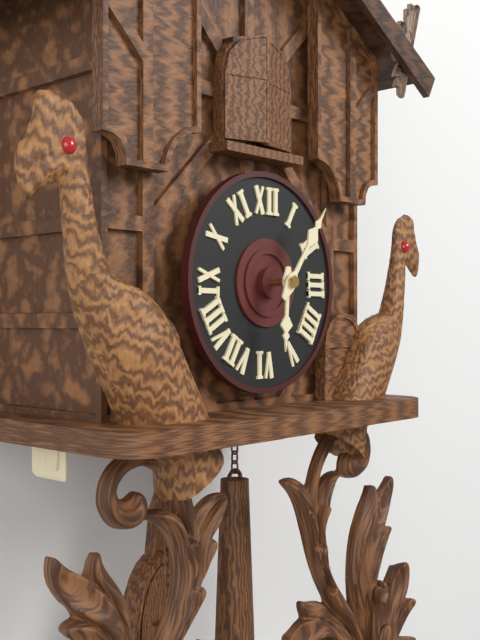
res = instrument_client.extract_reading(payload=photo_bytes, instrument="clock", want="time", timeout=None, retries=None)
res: 6:06
